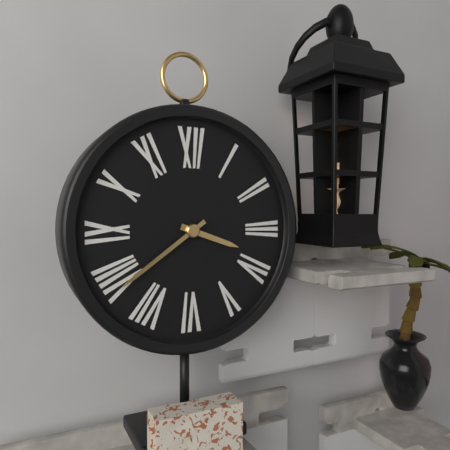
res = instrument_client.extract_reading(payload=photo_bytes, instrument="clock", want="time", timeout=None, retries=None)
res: 3:39
